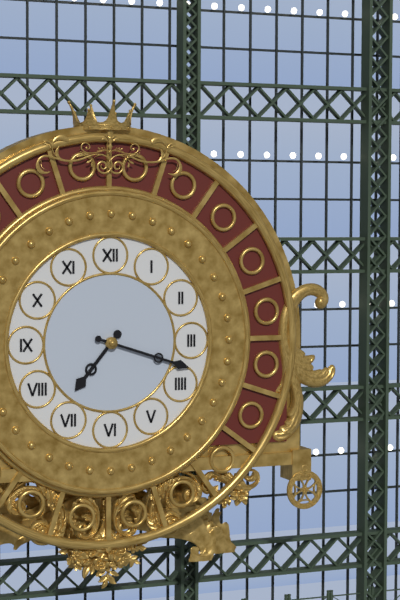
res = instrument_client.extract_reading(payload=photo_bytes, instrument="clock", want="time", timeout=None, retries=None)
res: 7:18
